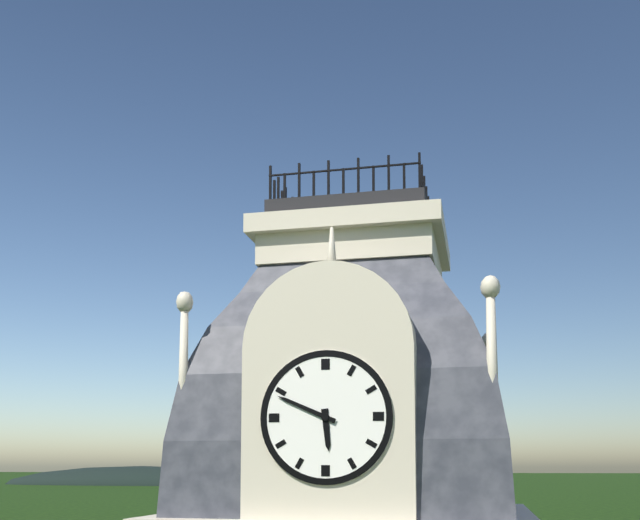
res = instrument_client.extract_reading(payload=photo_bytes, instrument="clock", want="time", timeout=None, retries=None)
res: 5:49
